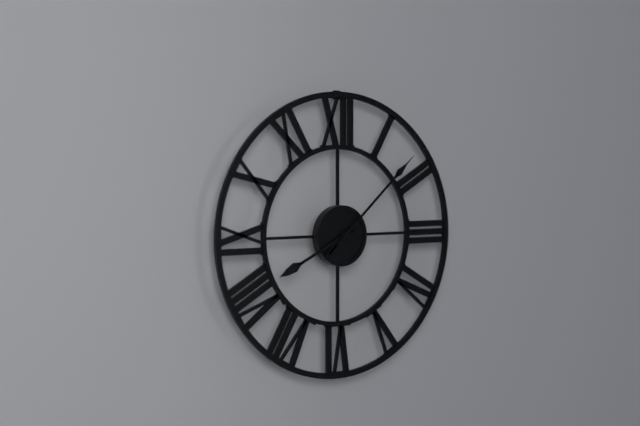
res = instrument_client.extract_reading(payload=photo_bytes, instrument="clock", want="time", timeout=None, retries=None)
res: 8:08
